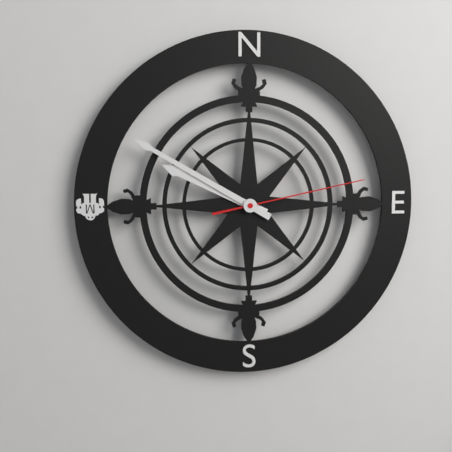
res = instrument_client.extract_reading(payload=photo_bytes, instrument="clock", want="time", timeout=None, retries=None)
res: 9:50:13
